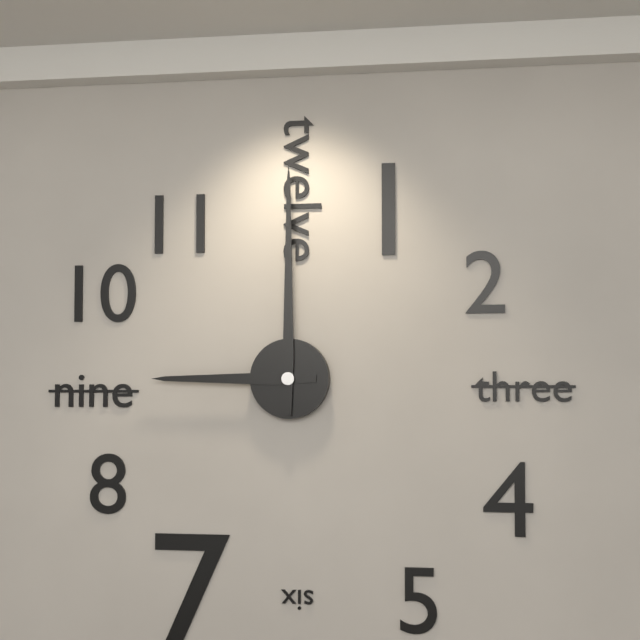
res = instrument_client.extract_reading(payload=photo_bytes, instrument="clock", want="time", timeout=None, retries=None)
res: 9:00
